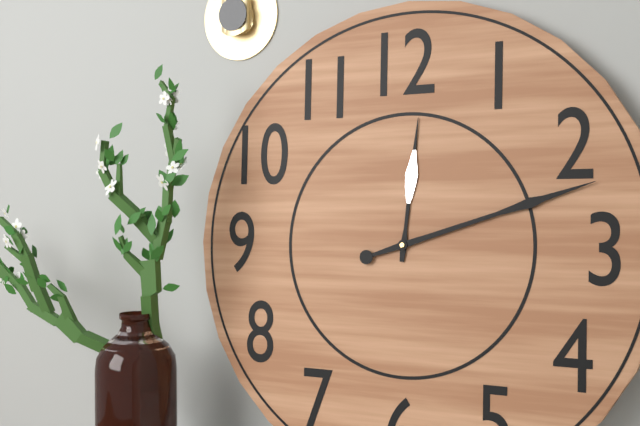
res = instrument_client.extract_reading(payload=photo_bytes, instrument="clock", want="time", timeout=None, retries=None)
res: 12:12
